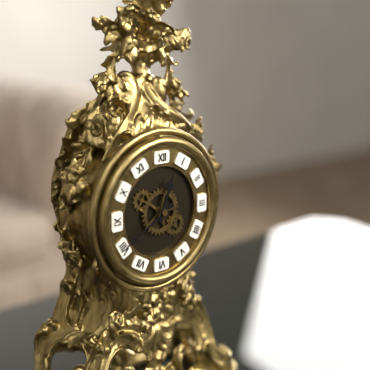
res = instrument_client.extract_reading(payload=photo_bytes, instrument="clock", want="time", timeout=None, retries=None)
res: 12:40
